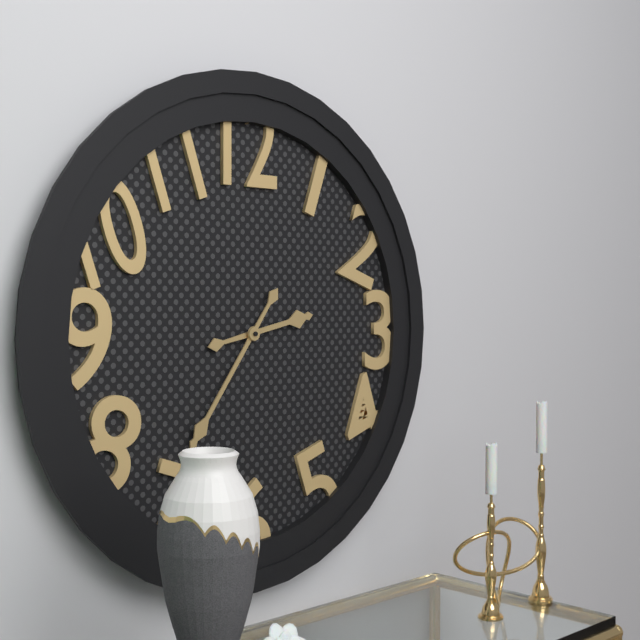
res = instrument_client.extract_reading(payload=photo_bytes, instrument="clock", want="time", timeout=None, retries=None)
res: 2:36
